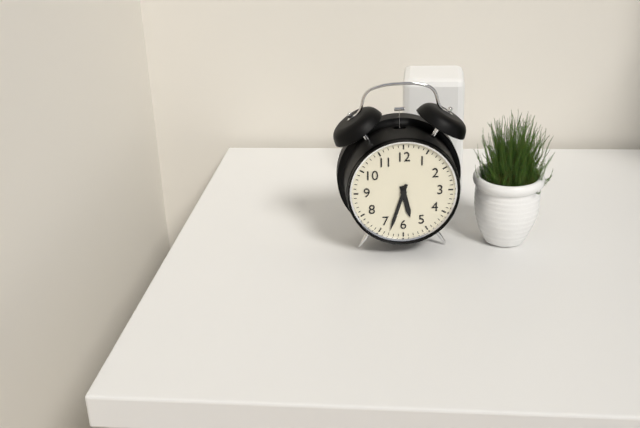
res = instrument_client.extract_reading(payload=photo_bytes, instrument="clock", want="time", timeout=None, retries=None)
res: 5:33
